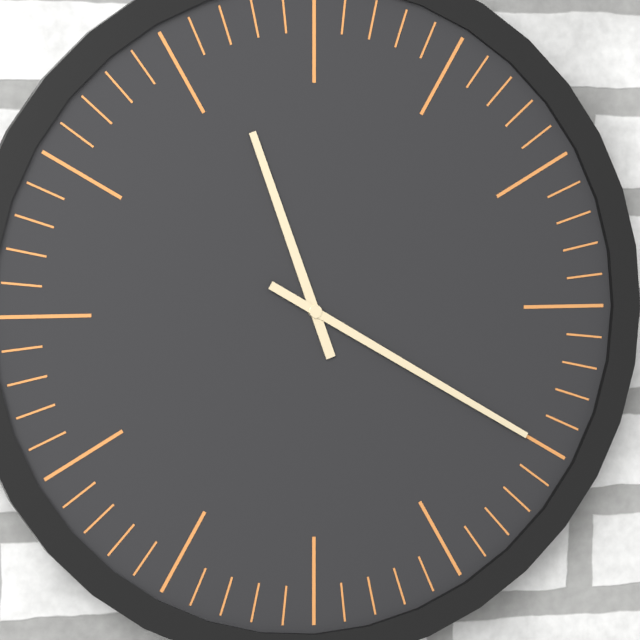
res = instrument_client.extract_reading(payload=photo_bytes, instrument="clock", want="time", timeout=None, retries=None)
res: 11:20
